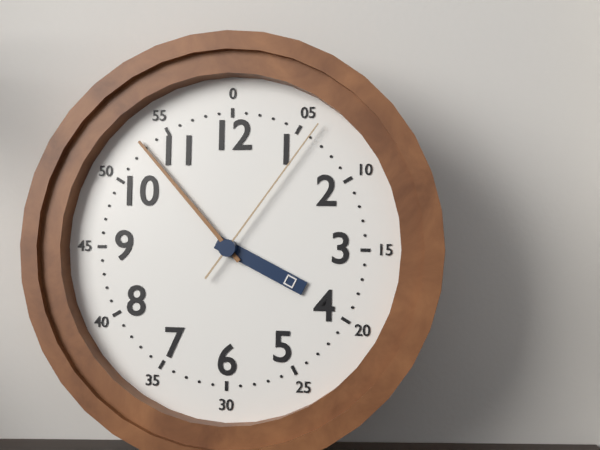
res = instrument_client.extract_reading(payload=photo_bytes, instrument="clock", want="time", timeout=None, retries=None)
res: 3:53:06
